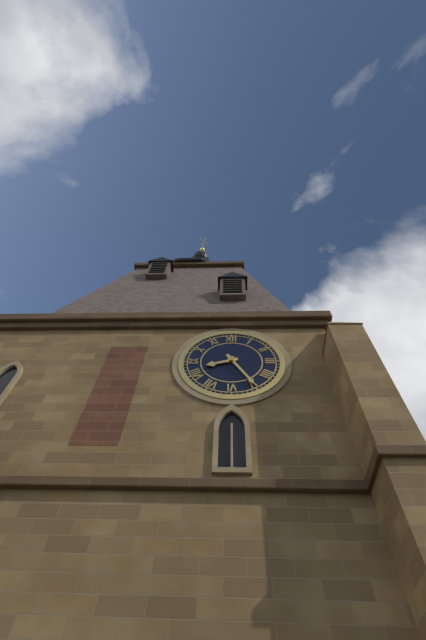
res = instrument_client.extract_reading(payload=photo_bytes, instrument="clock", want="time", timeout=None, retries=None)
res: 8:25
